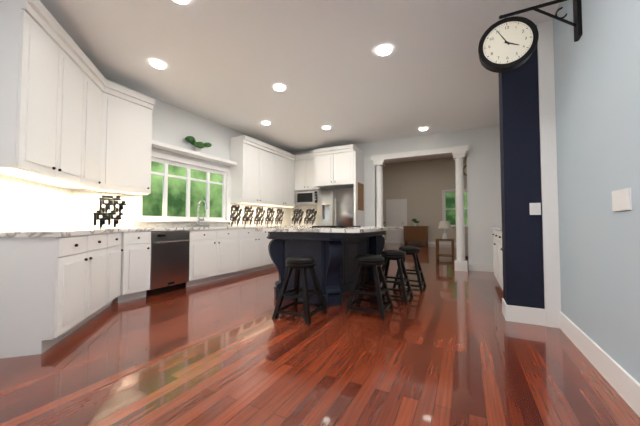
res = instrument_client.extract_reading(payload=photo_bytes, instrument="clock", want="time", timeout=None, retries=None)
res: 3:55
